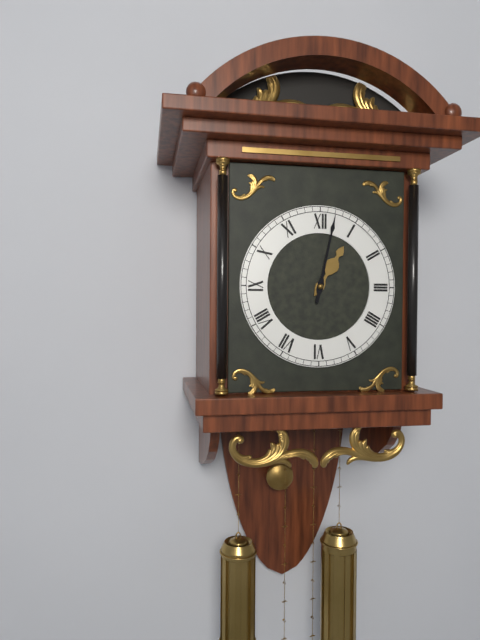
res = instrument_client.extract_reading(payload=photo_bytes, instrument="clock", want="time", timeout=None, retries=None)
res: 1:02
